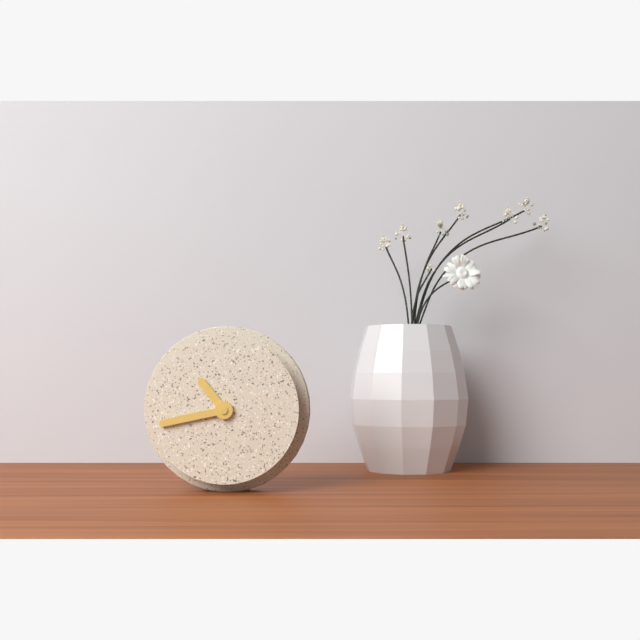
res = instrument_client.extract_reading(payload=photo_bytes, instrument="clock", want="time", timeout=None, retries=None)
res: 10:43
